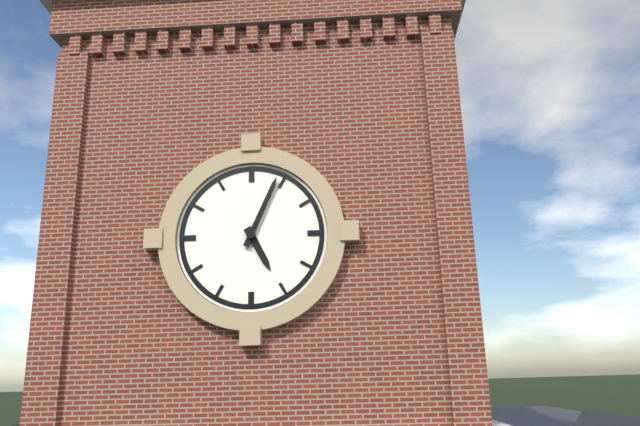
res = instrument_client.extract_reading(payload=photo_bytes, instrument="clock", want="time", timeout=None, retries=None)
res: 5:04
